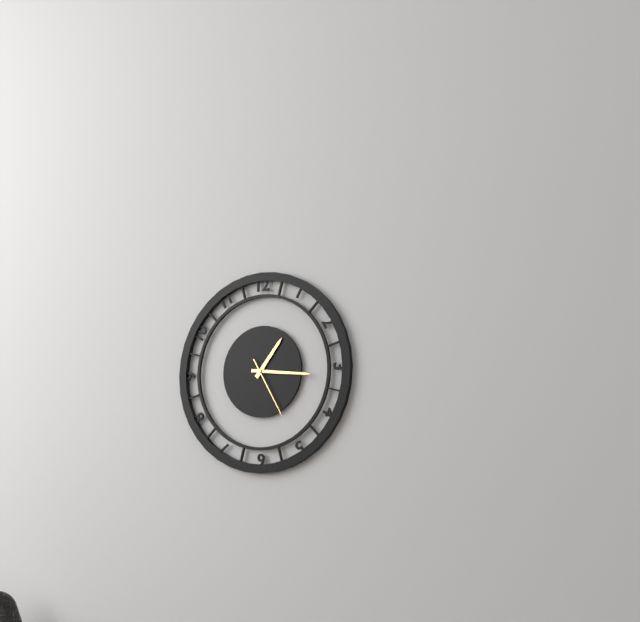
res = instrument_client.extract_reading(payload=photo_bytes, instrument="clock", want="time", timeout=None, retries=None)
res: 1:16:25
